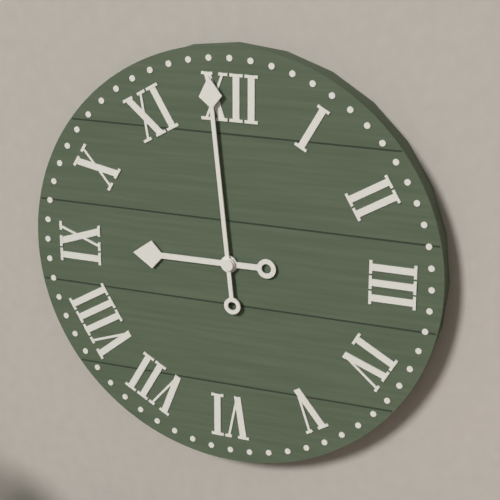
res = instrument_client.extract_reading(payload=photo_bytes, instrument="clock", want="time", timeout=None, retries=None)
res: 8:59
